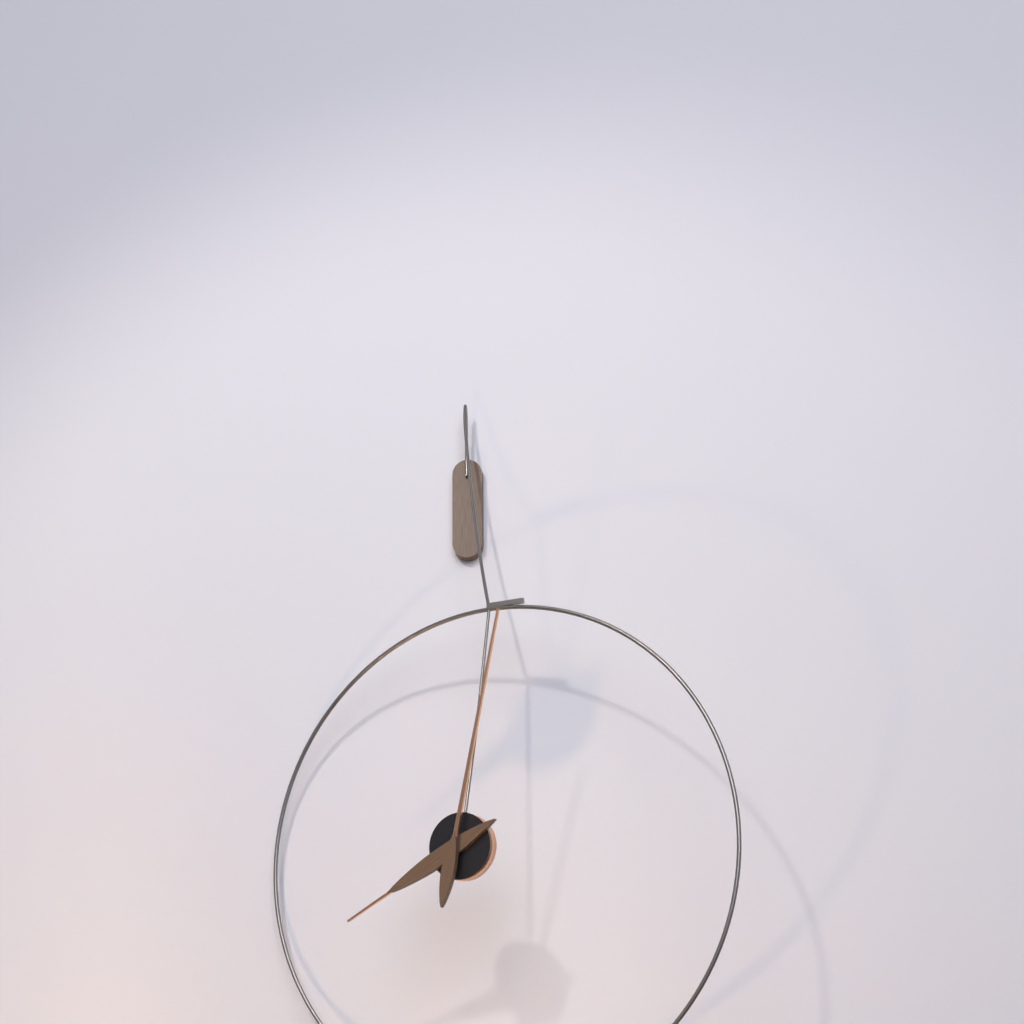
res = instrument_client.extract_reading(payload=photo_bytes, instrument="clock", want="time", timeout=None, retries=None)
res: 8:02
